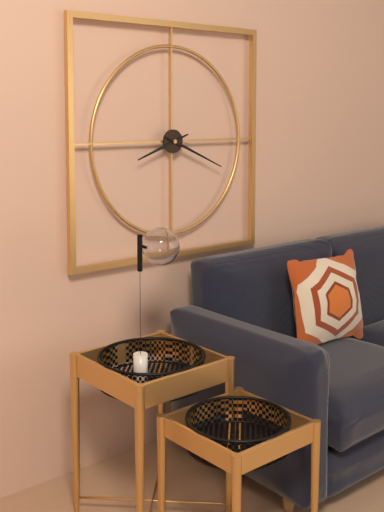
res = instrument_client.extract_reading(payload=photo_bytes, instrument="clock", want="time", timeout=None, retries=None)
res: 8:19
